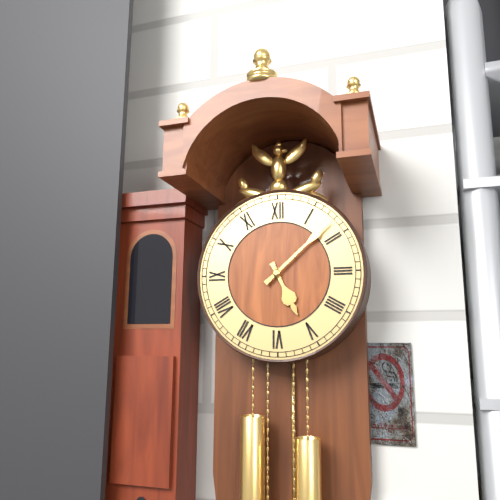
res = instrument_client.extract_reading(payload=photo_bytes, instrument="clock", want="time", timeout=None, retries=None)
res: 5:08
